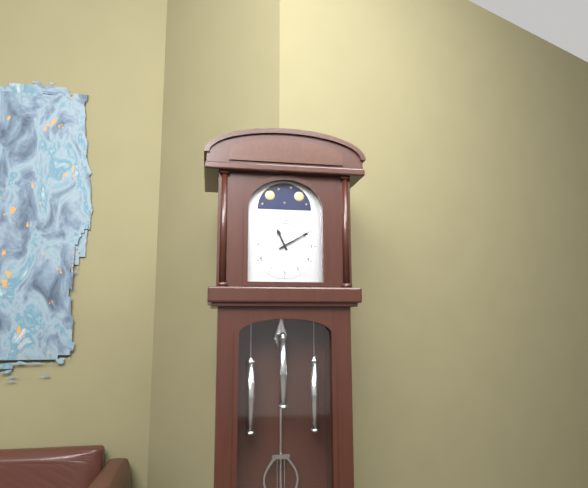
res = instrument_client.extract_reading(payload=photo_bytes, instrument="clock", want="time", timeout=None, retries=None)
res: 11:10
